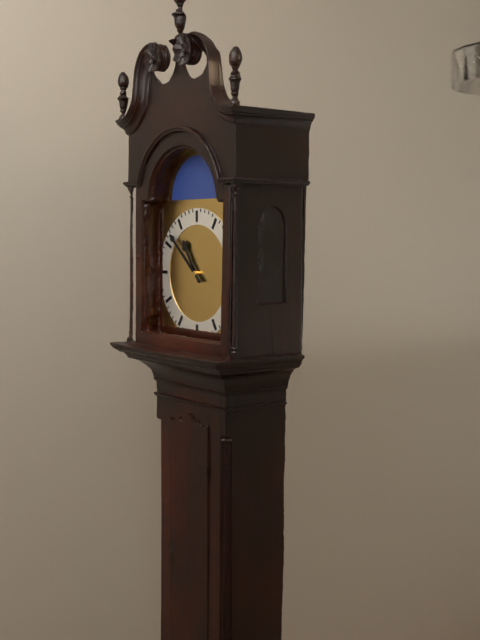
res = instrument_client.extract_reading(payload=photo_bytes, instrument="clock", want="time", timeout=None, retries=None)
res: 10:52
